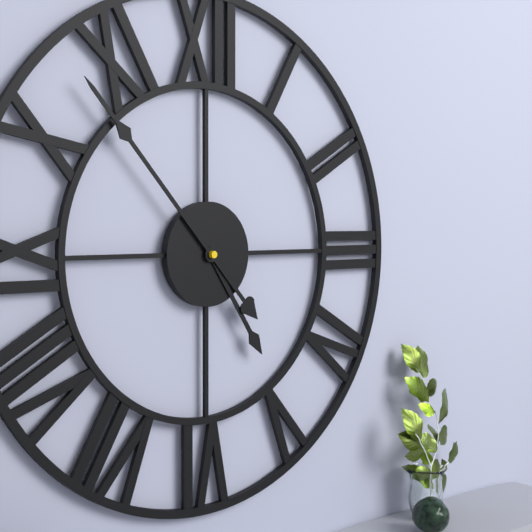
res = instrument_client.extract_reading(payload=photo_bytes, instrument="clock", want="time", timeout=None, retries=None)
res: 4:53
